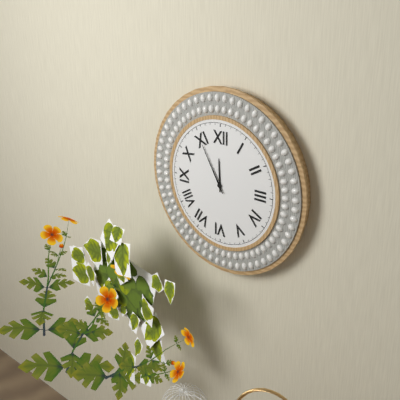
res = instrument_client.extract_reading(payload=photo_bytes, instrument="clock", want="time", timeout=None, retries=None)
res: 11:55
